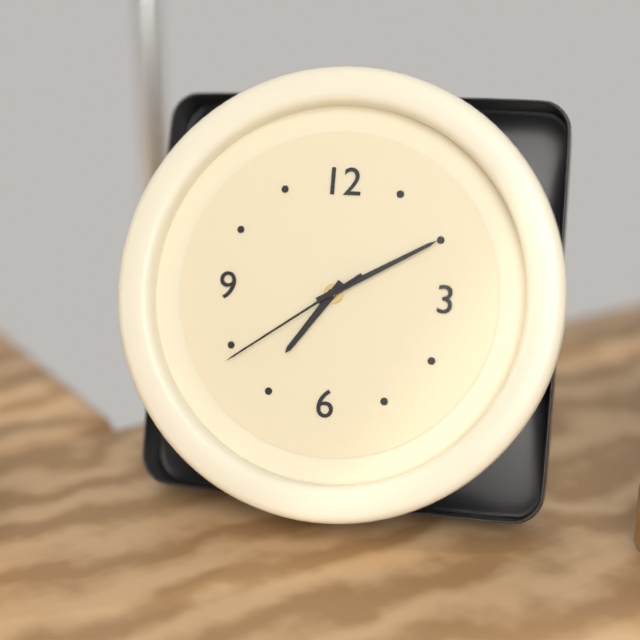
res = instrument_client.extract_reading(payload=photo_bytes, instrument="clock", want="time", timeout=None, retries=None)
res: 7:10:39
